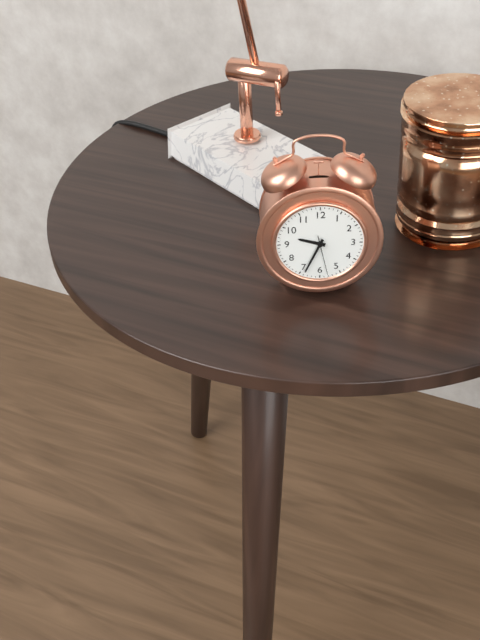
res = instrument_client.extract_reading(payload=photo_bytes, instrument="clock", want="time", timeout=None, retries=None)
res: 9:34
